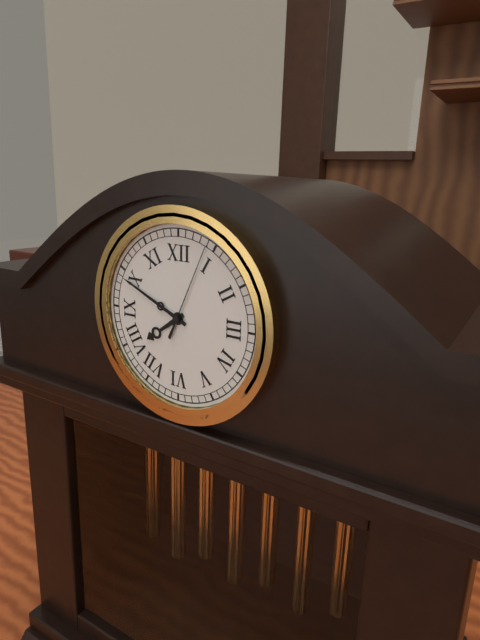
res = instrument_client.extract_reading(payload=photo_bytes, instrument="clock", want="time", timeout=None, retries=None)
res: 7:49:04
